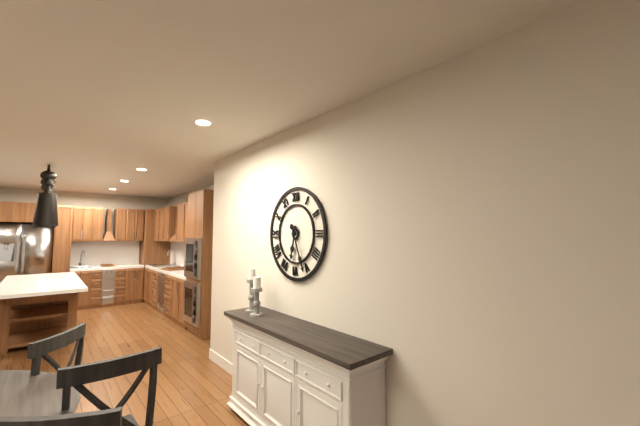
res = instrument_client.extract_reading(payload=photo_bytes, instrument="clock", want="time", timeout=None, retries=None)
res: 6:26
